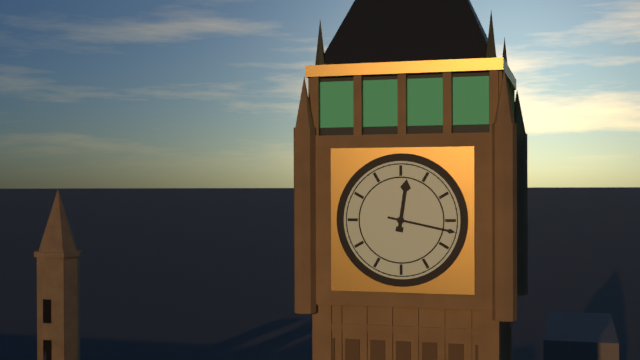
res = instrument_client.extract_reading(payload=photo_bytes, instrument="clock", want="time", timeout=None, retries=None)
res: 12:17
